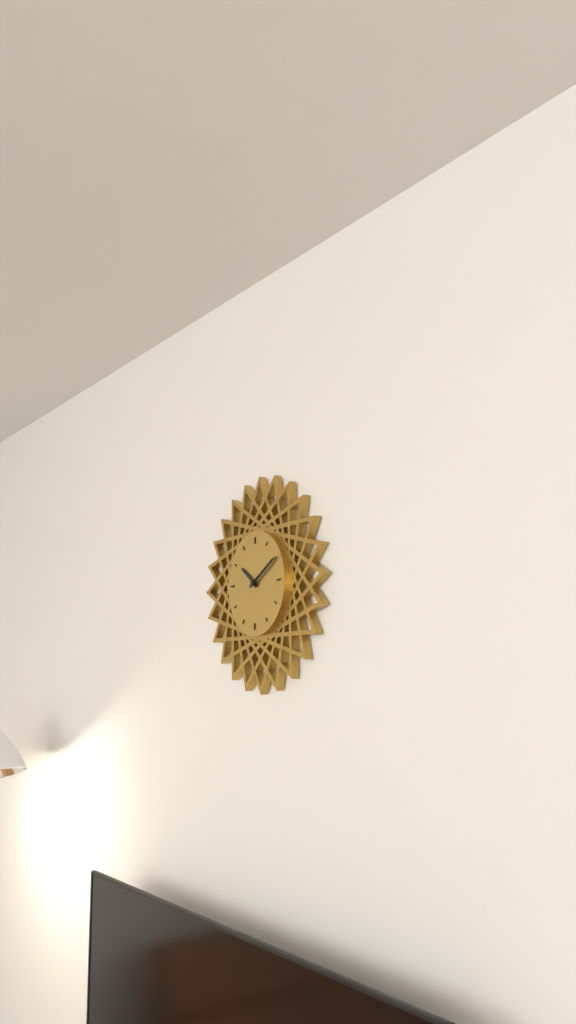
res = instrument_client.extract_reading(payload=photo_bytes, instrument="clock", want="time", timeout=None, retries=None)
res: 10:10
